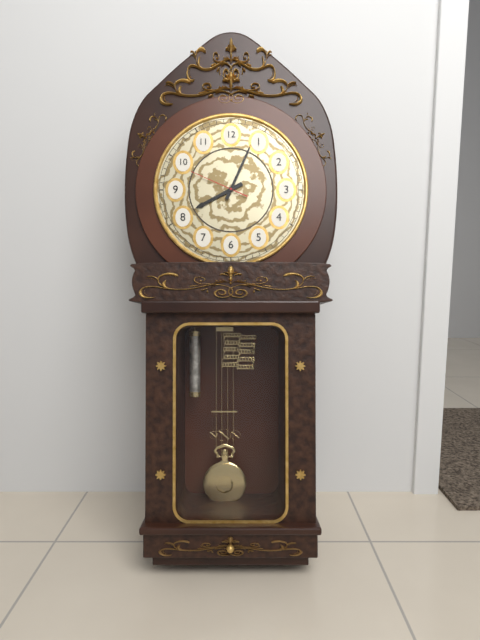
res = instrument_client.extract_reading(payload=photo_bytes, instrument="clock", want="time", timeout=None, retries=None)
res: 8:04:49
